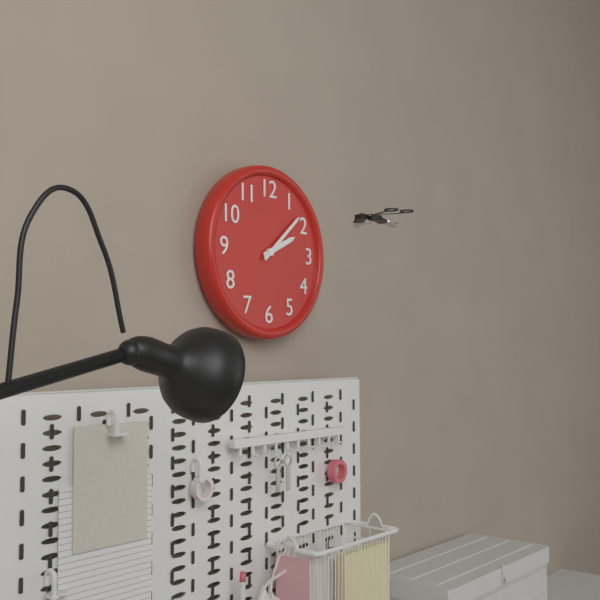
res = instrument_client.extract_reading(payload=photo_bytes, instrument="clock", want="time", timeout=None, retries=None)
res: 2:08
